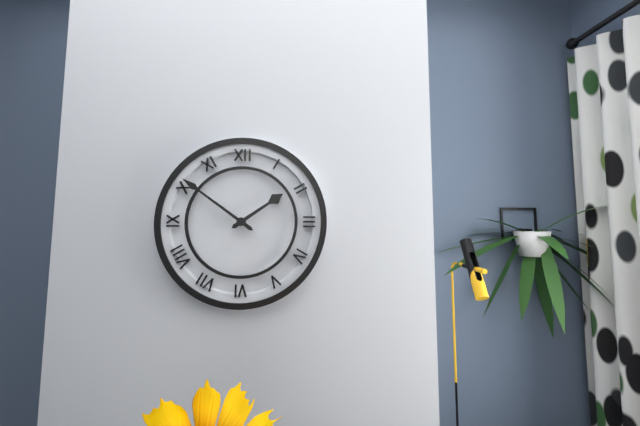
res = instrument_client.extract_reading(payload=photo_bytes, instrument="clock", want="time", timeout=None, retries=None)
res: 1:51
